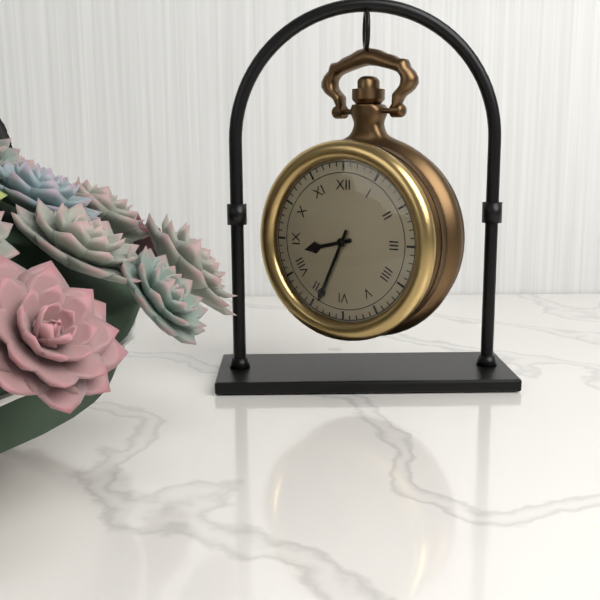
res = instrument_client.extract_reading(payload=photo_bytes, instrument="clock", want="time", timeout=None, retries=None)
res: 8:34
